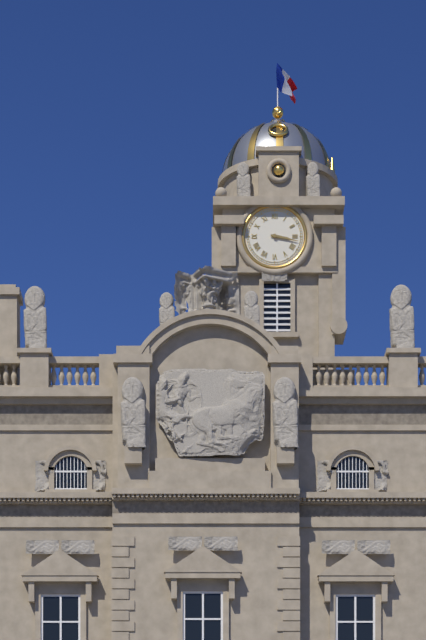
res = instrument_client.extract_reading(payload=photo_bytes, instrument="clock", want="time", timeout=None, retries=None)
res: 3:17
